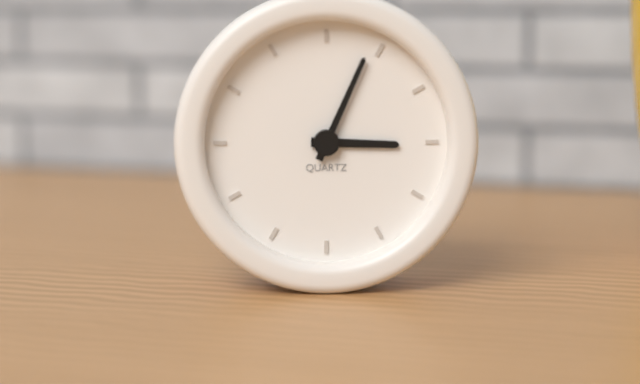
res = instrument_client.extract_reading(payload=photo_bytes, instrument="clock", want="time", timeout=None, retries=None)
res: 3:04
